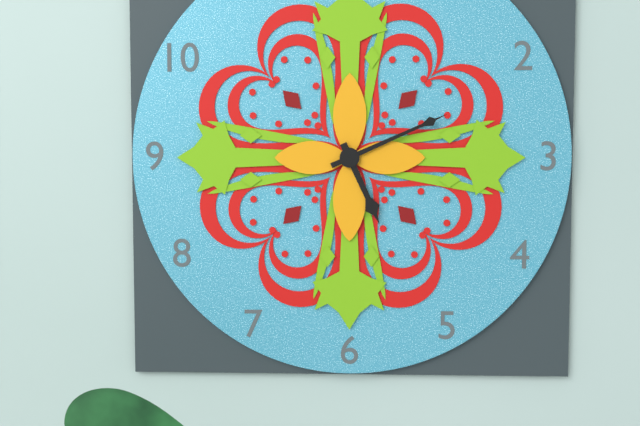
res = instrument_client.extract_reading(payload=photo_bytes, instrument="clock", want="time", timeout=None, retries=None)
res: 5:11
